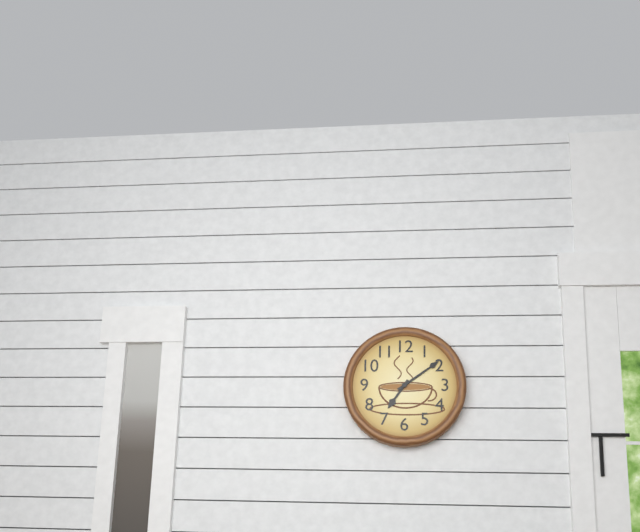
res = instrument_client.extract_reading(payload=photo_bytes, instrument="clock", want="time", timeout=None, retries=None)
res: 7:09
